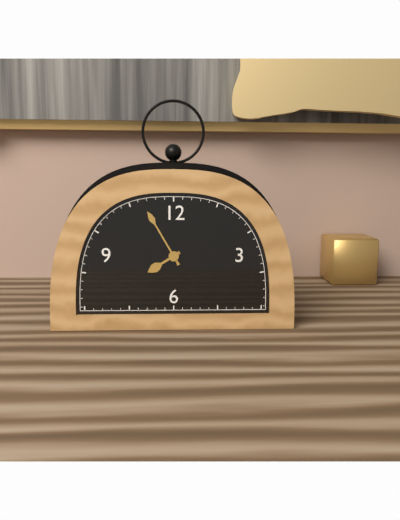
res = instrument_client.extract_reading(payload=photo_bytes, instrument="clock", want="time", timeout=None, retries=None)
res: 7:55
